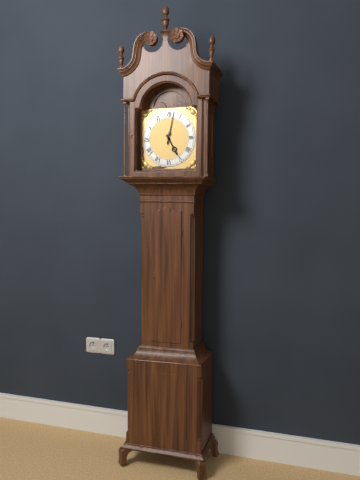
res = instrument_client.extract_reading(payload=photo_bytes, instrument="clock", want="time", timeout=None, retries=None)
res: 5:02
